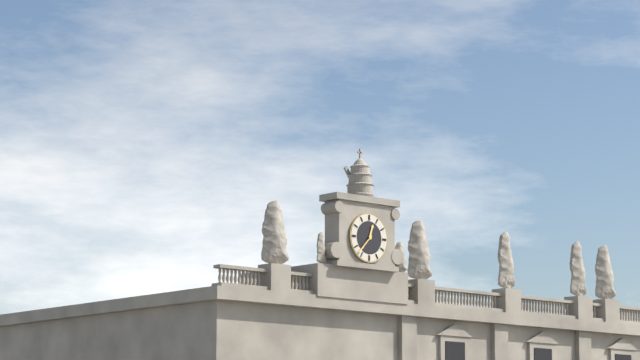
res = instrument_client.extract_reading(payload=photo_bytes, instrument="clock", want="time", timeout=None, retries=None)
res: 12:37
